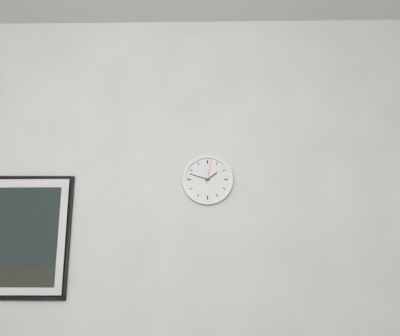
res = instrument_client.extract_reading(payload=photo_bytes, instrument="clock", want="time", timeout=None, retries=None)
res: 1:48
